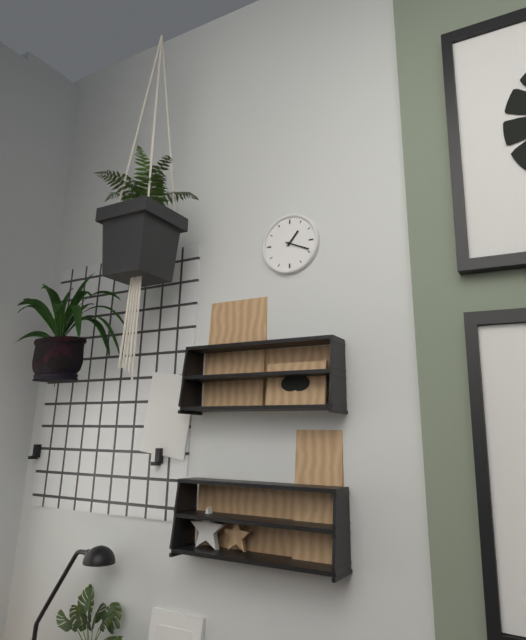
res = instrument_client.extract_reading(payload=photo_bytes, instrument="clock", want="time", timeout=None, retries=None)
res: 1:19
